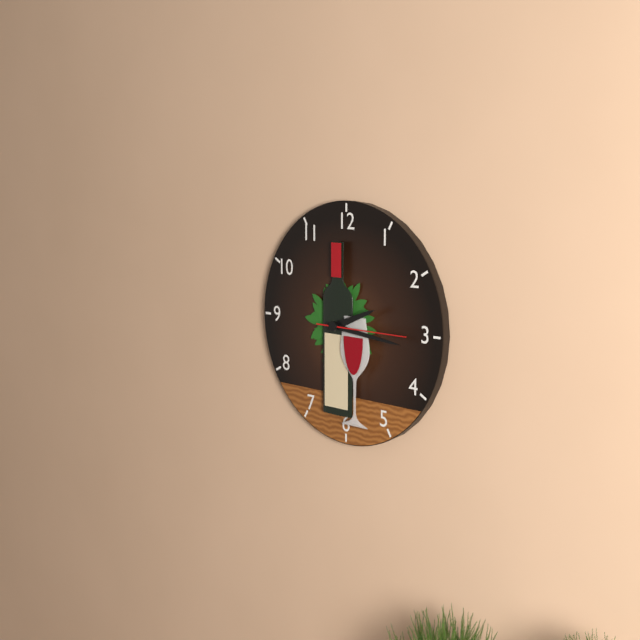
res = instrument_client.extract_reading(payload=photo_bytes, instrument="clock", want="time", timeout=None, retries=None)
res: 2:16:15
